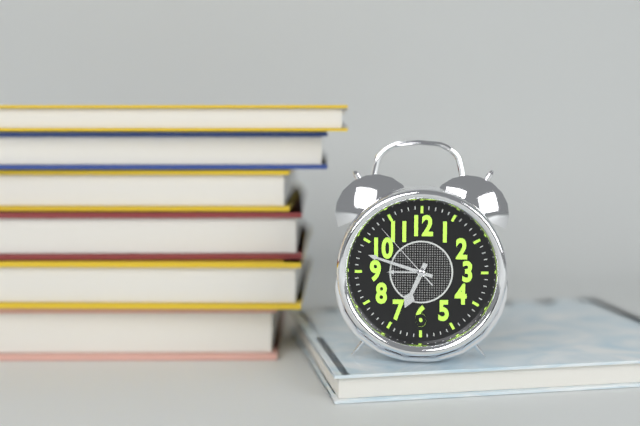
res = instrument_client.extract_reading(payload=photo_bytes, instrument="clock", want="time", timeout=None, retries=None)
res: 6:48:53
